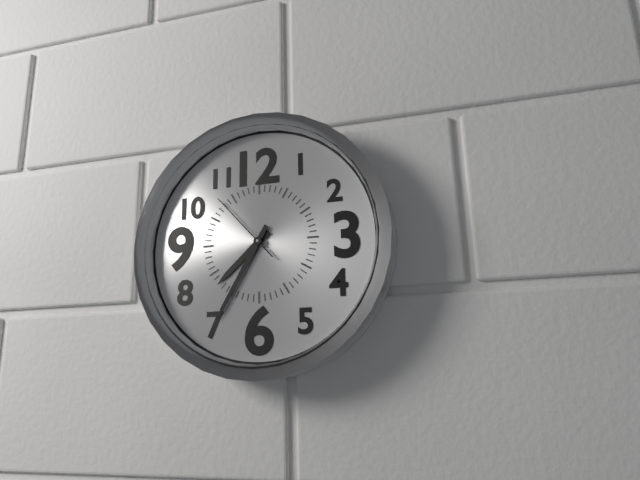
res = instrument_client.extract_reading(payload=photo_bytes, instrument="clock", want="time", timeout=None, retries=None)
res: 7:35:53
